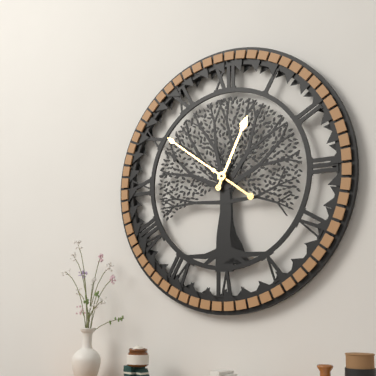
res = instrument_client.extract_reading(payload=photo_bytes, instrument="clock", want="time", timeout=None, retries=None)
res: 12:51
